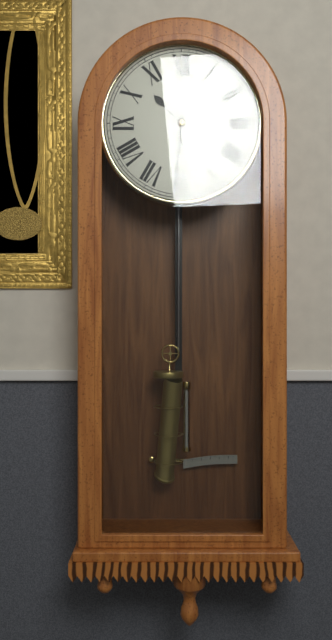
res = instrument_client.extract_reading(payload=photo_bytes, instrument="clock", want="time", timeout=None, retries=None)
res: 10:31
